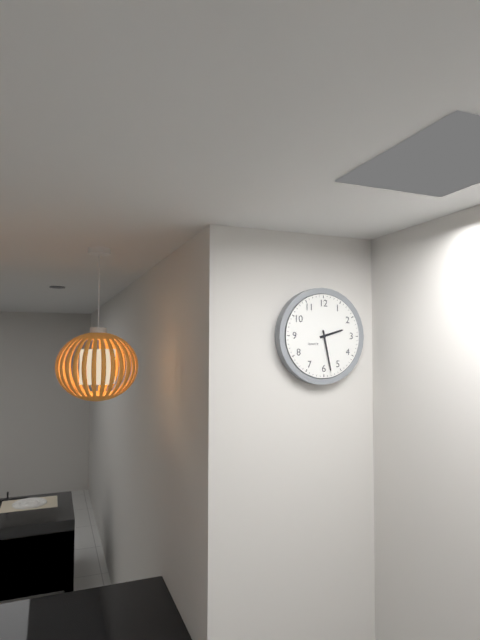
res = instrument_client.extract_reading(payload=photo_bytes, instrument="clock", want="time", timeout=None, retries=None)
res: 2:28
